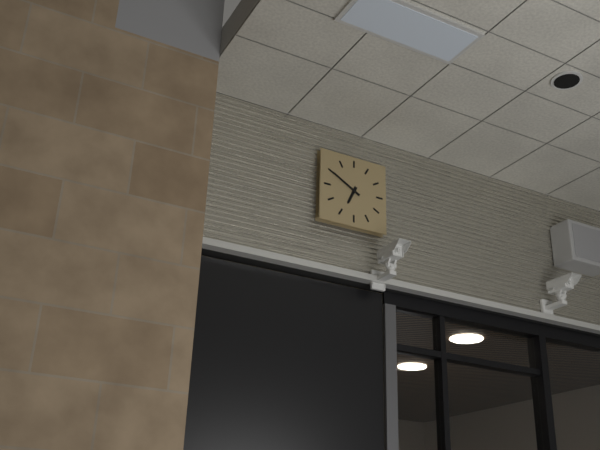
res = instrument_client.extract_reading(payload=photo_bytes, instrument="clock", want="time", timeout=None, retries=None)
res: 6:50
